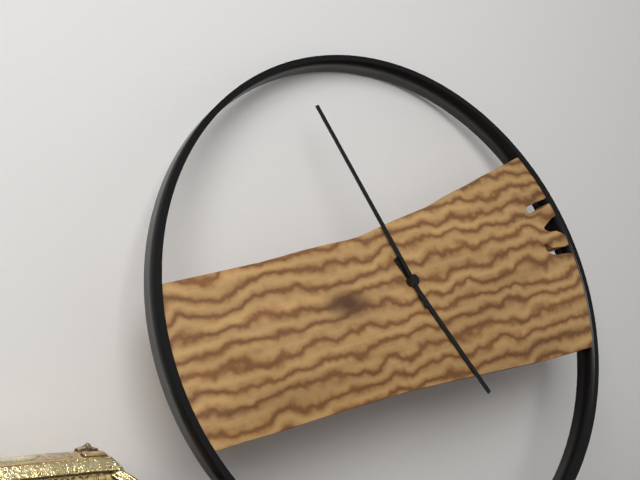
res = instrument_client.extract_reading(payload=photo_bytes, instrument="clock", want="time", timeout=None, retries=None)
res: 4:56
